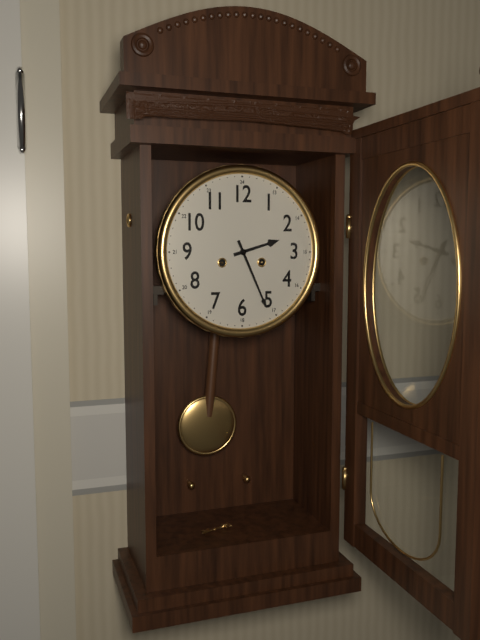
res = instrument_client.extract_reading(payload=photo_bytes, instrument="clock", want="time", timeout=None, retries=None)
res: 2:26
